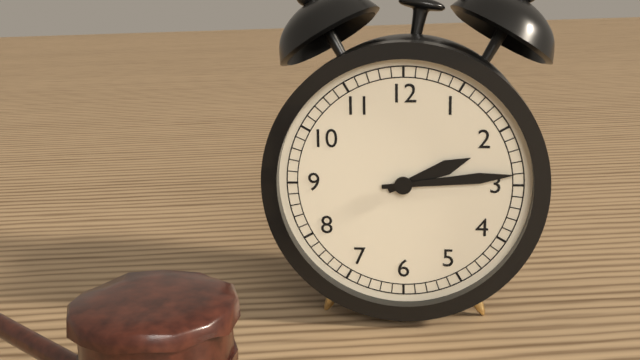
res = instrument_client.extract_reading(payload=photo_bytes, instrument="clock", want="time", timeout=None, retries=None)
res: 2:14
